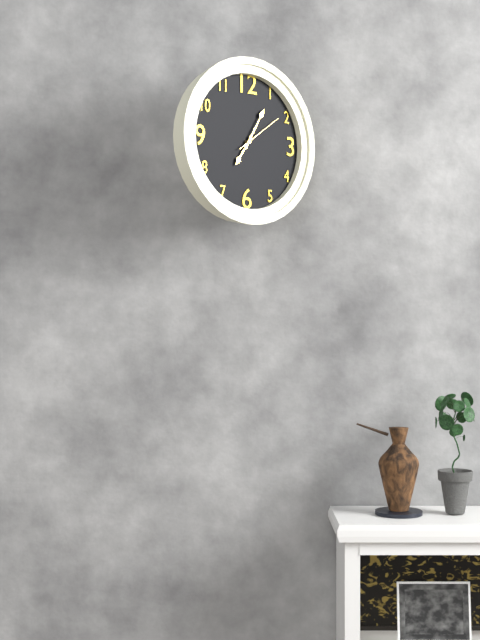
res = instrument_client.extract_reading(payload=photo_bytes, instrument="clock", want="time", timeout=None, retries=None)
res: 7:05
